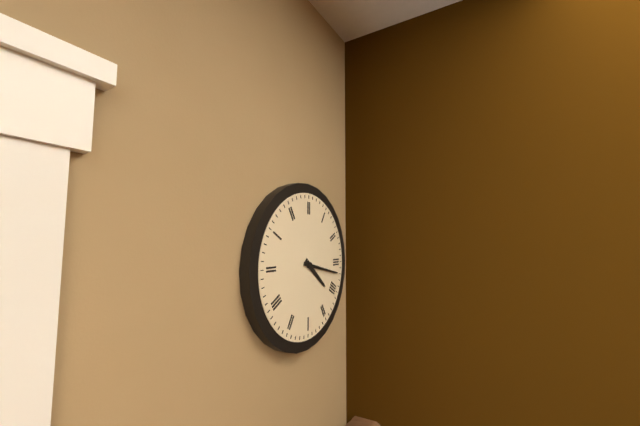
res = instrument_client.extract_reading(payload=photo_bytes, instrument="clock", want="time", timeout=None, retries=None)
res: 4:17
